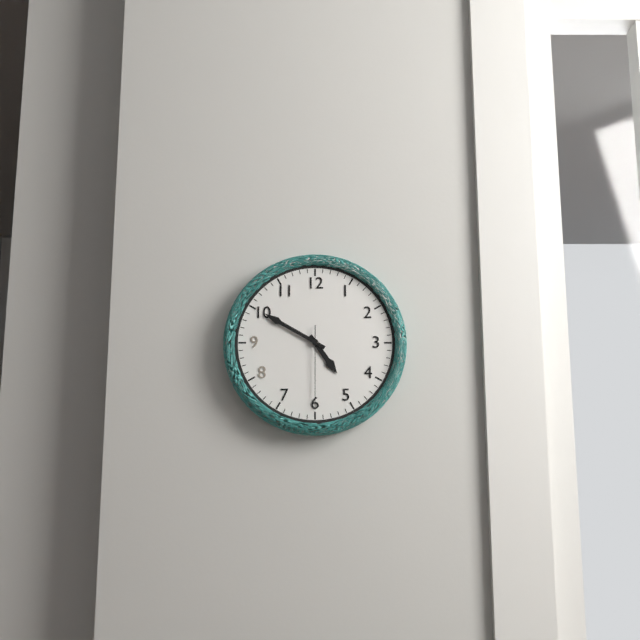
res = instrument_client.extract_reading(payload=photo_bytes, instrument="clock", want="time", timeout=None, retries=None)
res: 4:50:30
